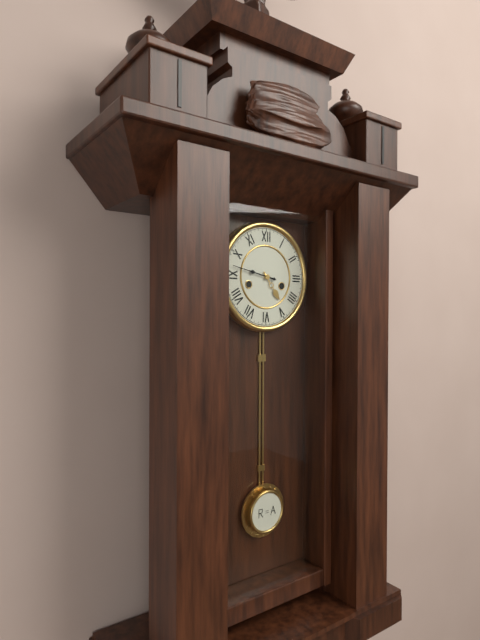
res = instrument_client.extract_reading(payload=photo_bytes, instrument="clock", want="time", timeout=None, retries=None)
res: 4:47
